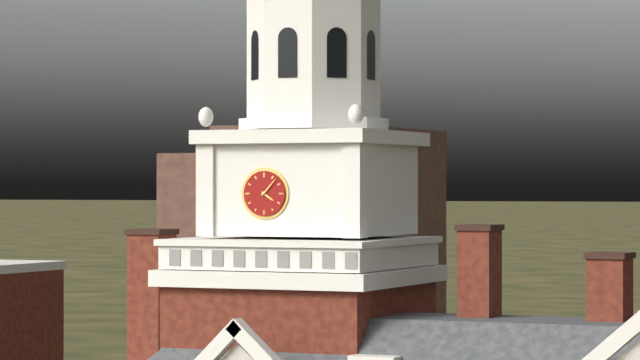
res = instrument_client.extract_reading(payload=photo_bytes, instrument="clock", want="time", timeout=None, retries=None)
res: 4:07
